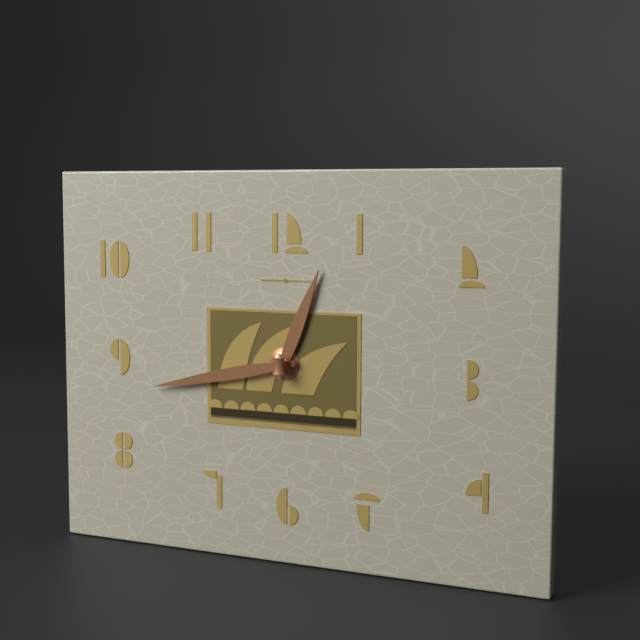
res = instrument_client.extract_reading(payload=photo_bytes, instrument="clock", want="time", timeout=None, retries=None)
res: 12:43
